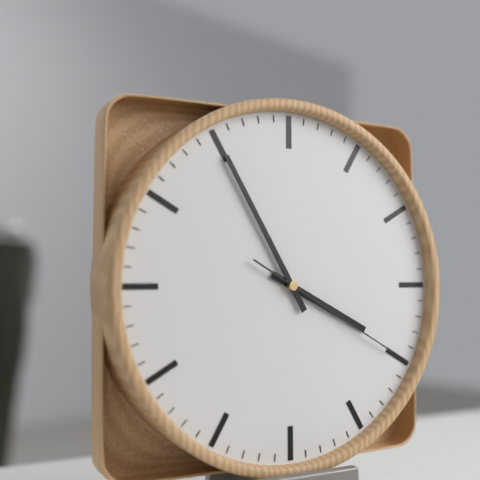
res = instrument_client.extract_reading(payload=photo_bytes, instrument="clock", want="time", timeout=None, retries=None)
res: 3:55:20
